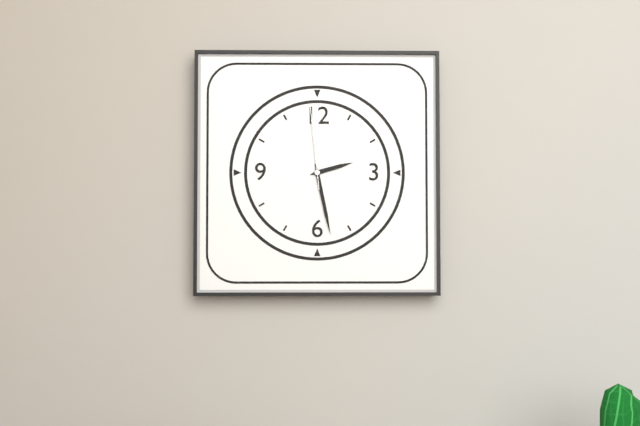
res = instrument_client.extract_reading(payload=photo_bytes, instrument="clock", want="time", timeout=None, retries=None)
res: 2:28:59
